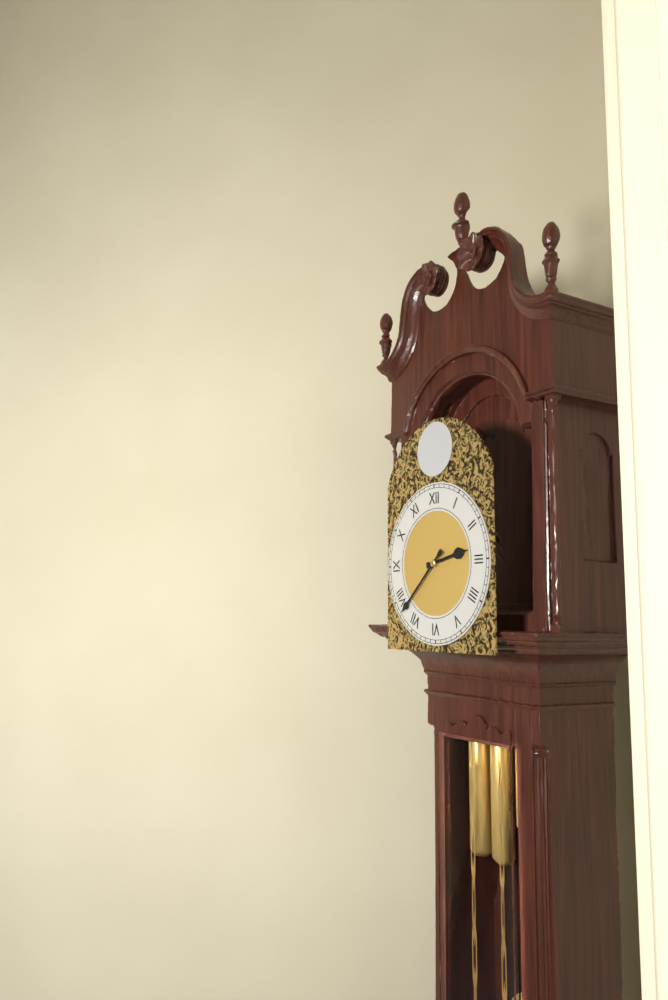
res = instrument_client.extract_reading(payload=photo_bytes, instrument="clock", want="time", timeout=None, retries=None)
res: 2:38
